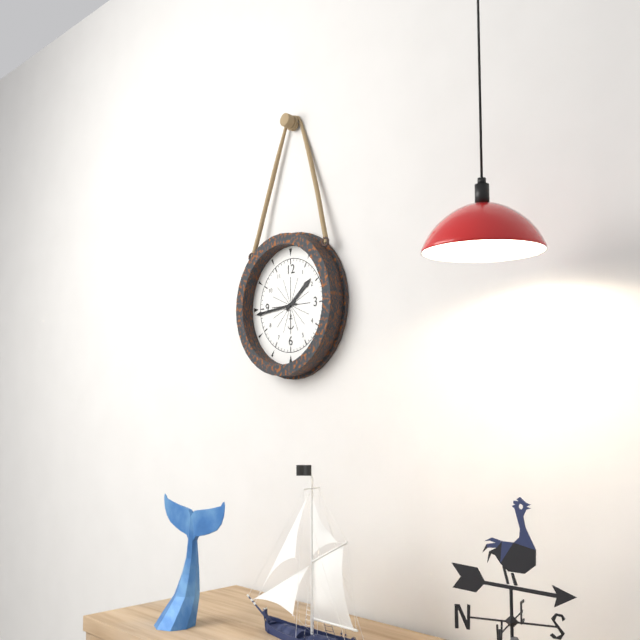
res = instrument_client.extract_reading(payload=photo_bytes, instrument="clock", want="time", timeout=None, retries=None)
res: 1:44
